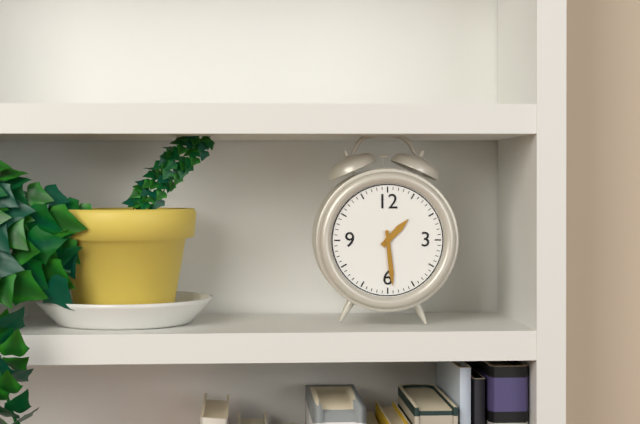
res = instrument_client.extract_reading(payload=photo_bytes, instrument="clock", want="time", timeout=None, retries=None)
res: 1:29
